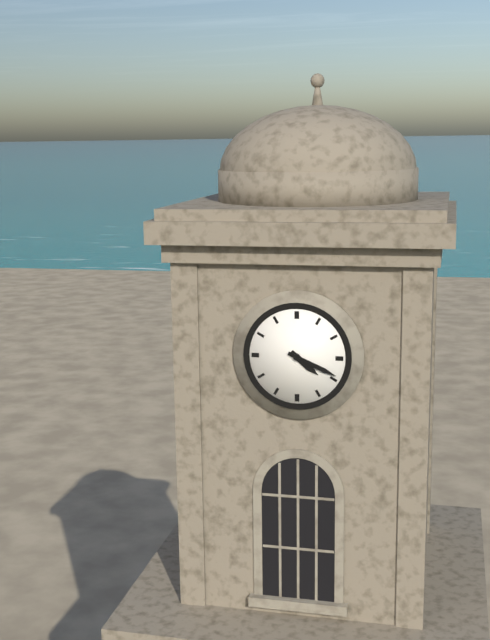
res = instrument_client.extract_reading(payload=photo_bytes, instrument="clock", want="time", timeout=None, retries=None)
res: 4:19
